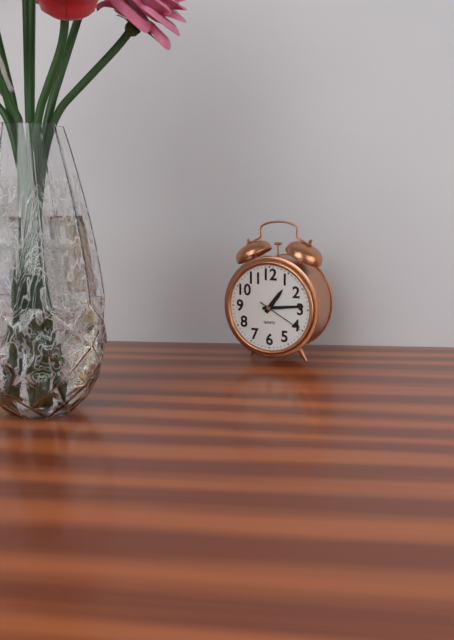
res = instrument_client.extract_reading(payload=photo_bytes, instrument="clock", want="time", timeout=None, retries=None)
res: 1:14
